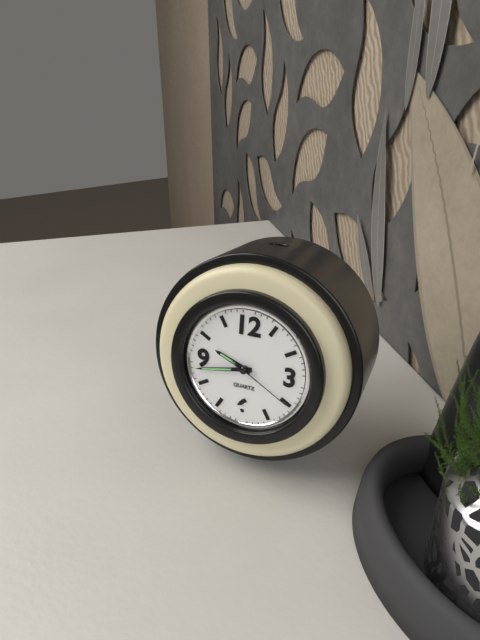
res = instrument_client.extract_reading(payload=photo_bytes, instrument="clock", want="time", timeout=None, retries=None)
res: 9:43:20
